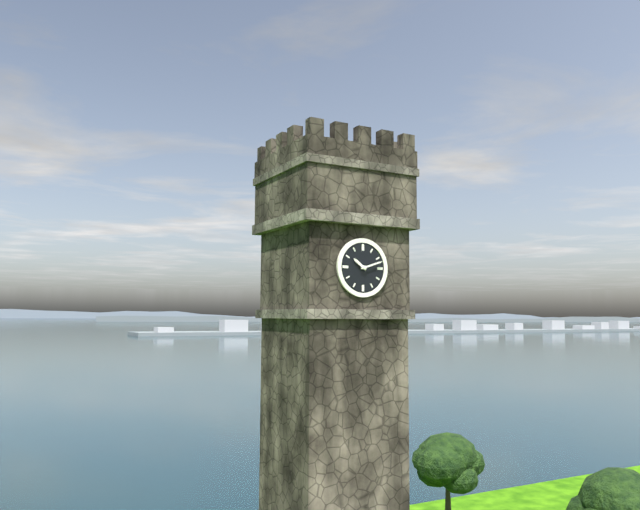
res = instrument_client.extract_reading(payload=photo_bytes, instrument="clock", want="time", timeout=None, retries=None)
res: 10:12
